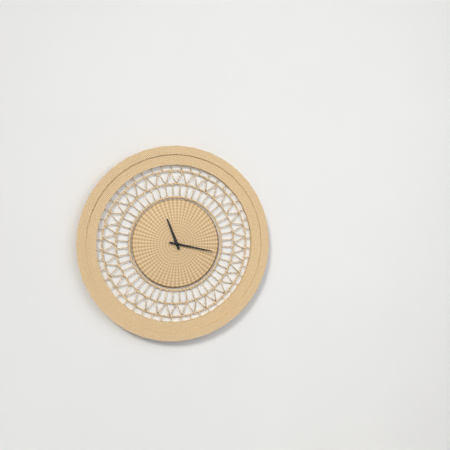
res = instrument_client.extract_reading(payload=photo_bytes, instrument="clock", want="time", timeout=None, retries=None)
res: 11:17
